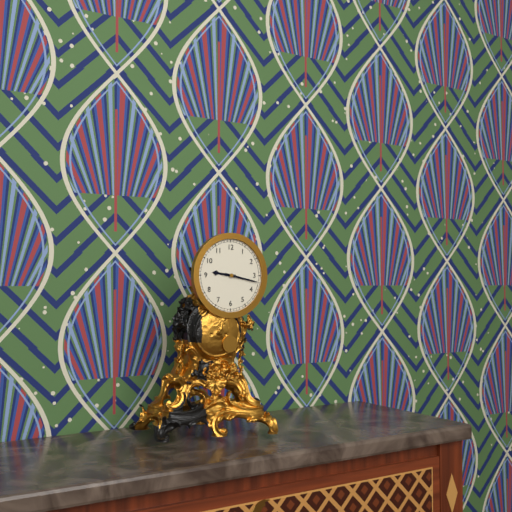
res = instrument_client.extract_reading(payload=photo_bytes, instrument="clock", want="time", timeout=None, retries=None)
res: 9:17
